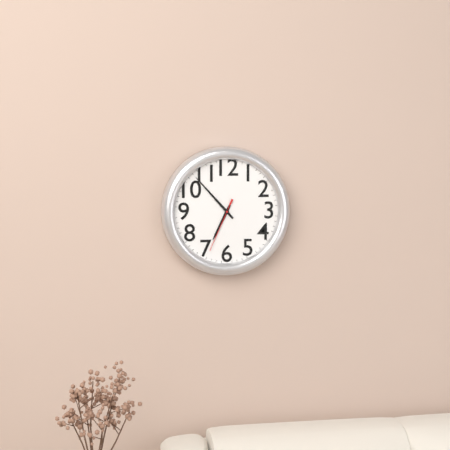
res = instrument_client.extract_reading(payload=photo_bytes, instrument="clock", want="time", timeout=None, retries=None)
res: 6:53:34
